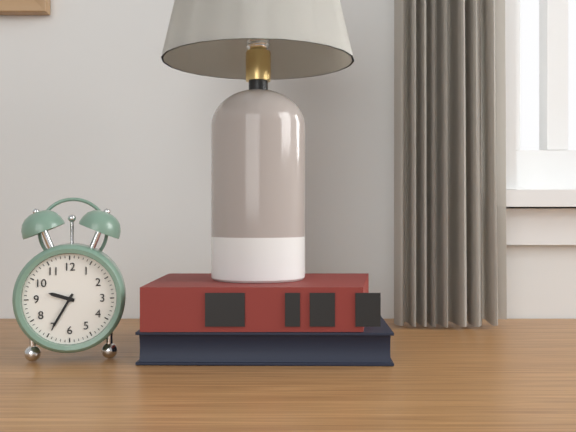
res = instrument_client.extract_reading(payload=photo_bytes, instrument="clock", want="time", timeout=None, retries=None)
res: 9:35
